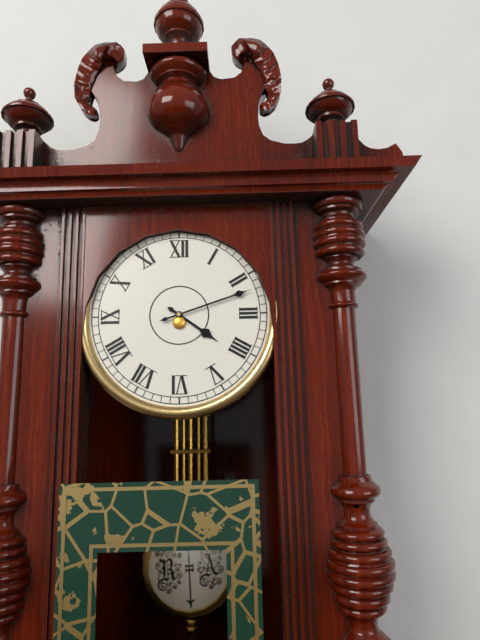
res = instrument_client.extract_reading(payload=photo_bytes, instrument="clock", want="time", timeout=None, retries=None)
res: 4:12
